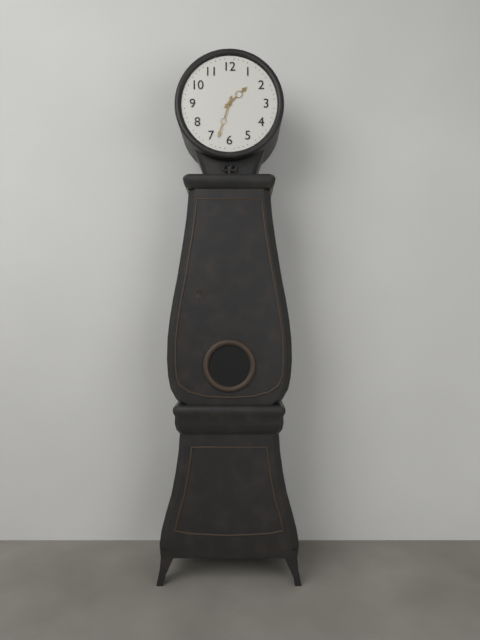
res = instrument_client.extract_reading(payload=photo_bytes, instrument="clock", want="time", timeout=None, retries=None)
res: 1:33
